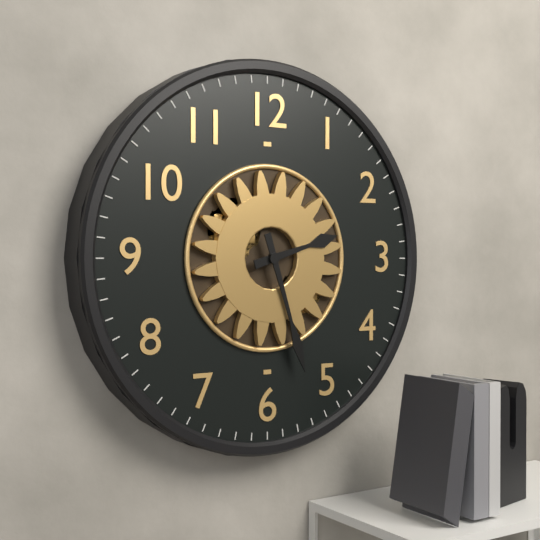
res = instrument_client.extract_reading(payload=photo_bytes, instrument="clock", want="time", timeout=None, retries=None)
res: 2:27
